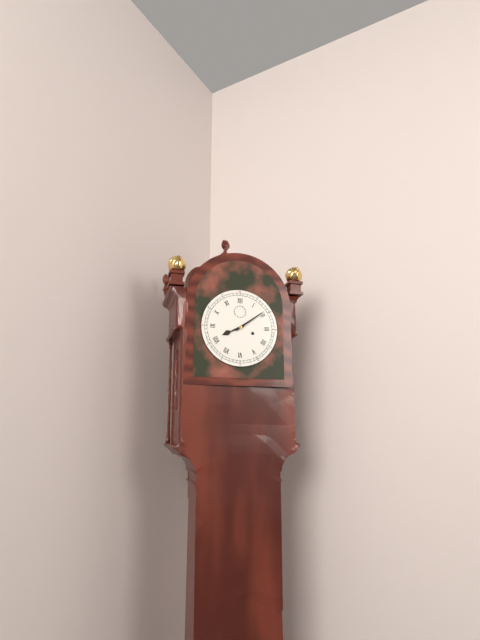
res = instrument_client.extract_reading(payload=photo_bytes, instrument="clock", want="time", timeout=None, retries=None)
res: 8:09
